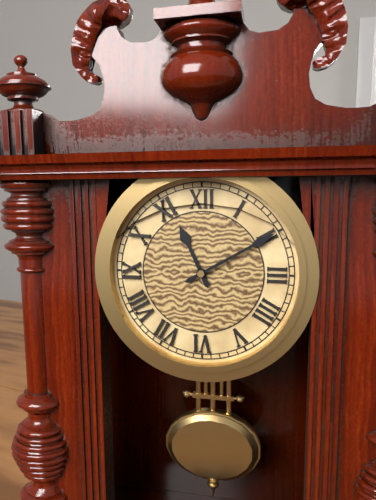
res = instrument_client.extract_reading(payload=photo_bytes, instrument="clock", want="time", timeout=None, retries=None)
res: 11:10
